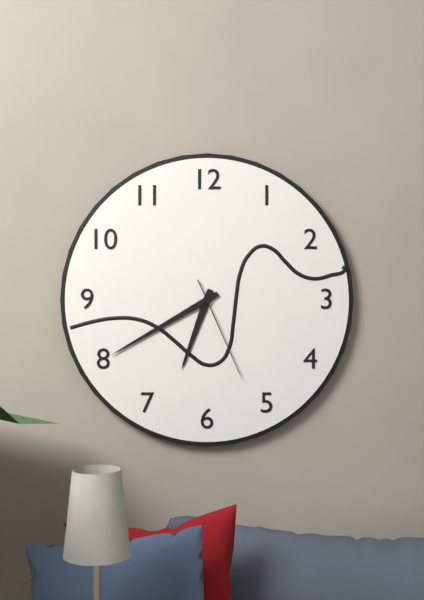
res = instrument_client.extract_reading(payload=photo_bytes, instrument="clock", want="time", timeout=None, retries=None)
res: 6:40:26
